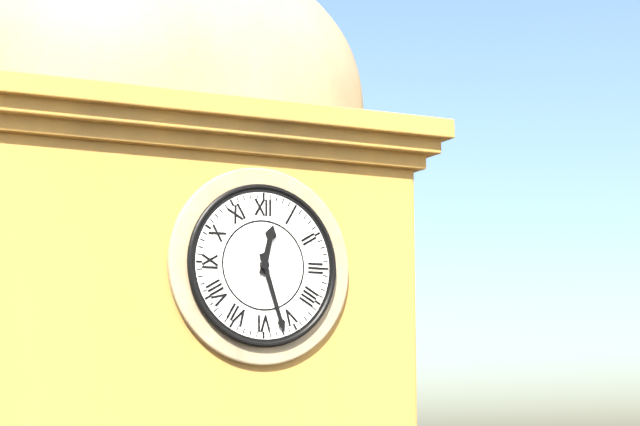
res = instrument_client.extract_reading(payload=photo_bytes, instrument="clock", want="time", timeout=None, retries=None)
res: 12:27
